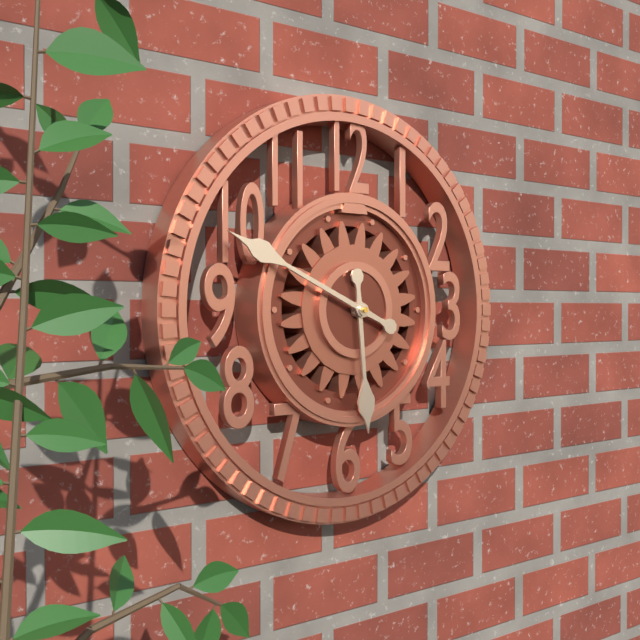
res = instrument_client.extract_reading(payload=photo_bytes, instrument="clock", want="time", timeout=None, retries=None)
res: 5:49
